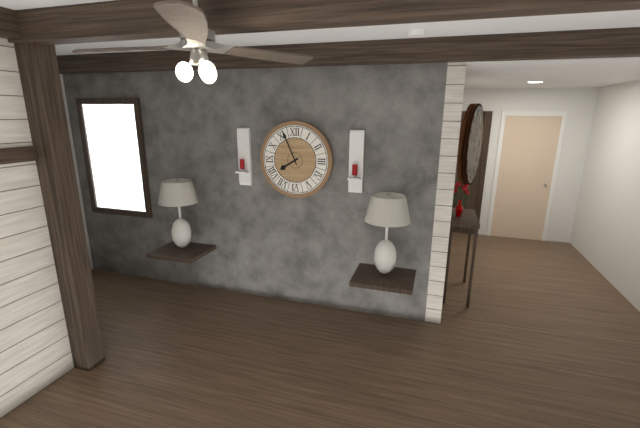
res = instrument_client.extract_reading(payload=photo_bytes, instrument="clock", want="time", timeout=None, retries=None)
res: 7:56
